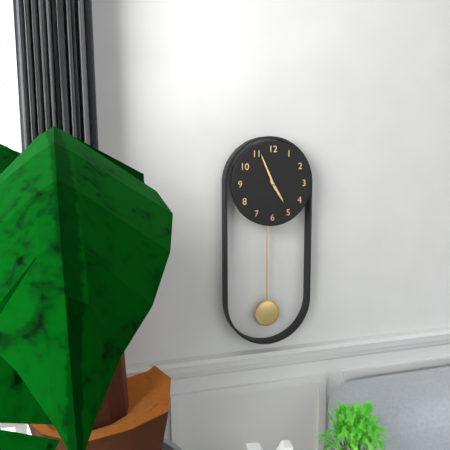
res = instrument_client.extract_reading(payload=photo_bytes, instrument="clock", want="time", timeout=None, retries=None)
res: 4:56
